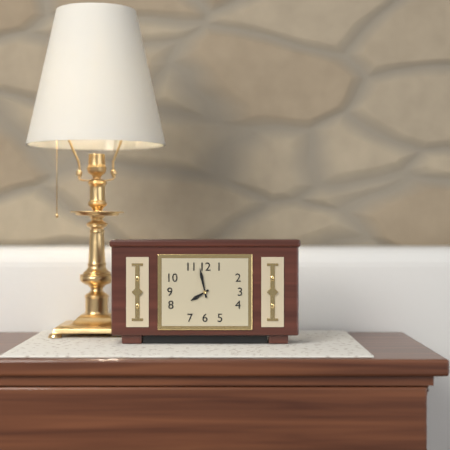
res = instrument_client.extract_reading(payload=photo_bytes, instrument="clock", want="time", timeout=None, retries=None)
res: 7:58
